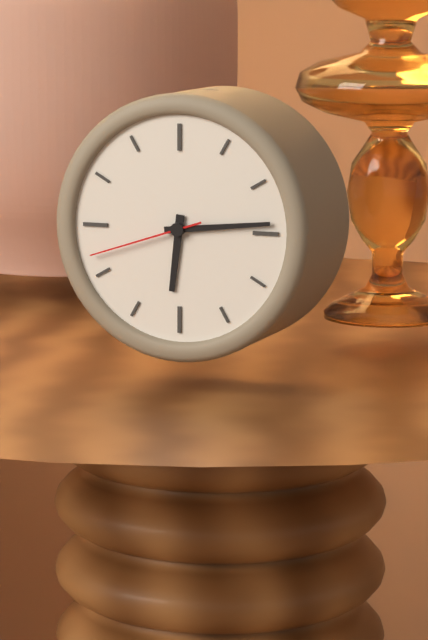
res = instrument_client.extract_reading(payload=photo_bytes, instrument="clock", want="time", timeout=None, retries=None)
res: 6:14:42
